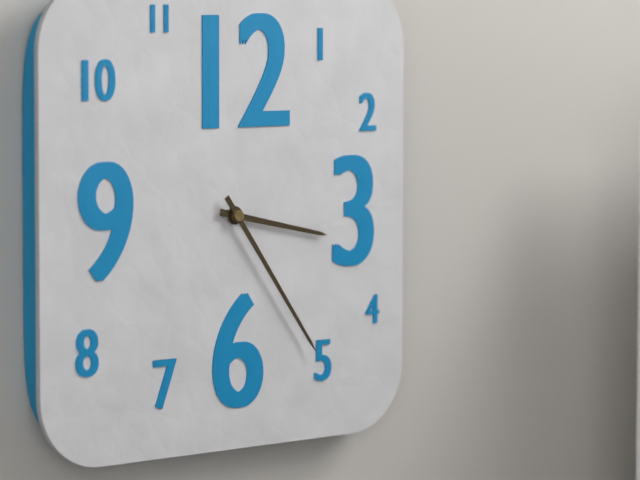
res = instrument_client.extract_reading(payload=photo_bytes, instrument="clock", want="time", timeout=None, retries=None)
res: 3:24
